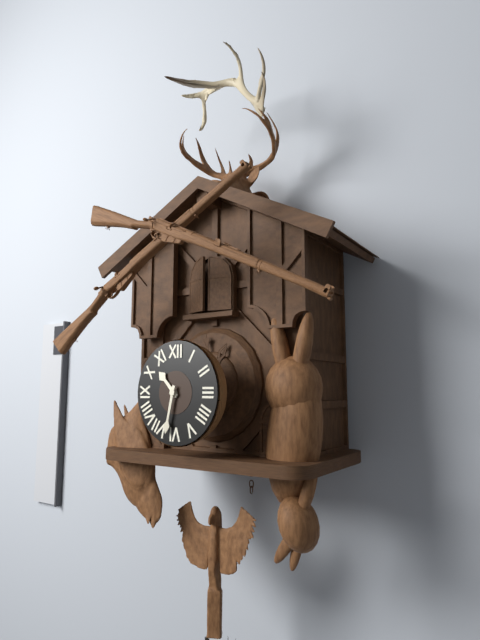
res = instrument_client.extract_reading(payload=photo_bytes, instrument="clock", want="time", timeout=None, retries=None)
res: 10:32
